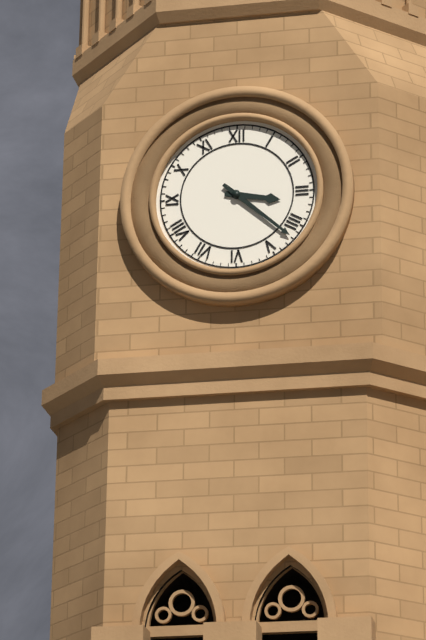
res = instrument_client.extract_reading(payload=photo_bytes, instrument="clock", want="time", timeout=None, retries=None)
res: 3:22
